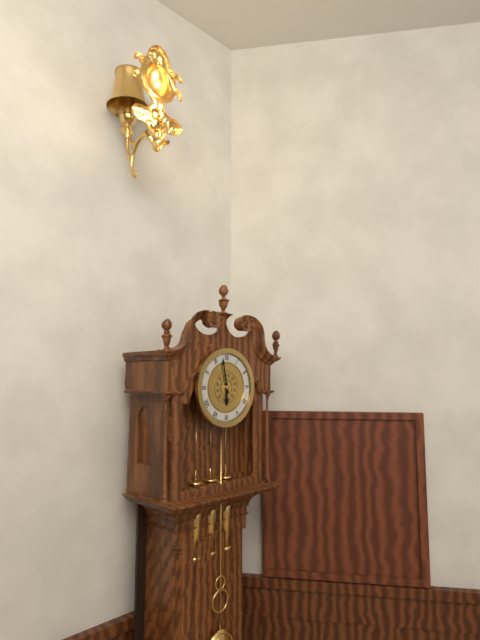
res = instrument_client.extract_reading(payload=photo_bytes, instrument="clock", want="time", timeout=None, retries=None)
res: 5:58
